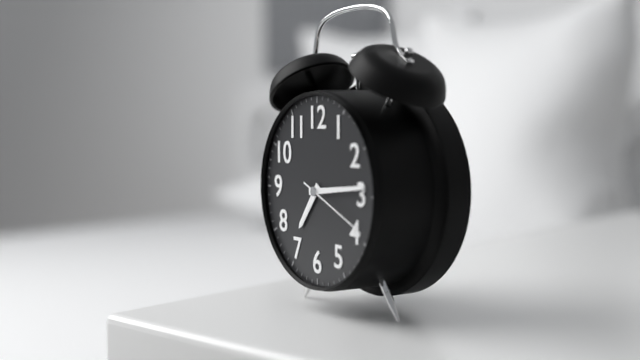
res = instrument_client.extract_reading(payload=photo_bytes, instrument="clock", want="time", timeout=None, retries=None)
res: 7:14:19
